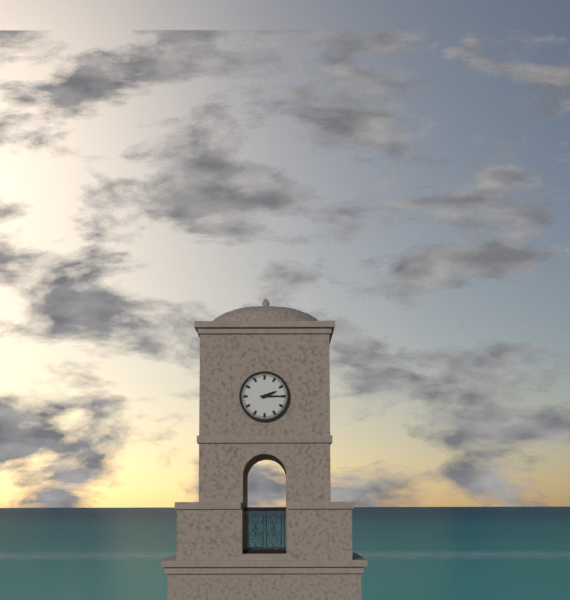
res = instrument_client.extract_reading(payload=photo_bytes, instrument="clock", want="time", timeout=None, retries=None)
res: 2:15
